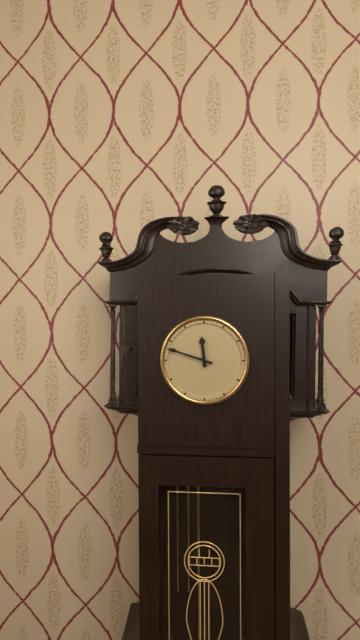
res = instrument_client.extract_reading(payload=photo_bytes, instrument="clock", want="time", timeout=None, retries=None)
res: 11:48
